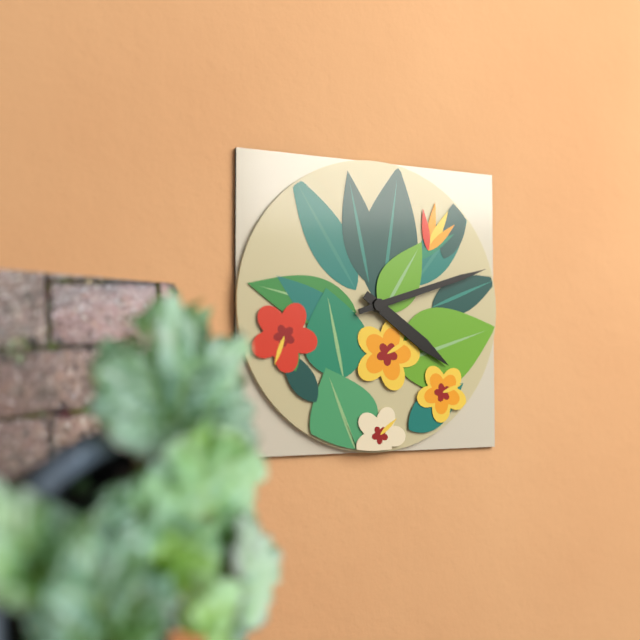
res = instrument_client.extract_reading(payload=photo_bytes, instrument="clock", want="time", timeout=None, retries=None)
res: 4:12
